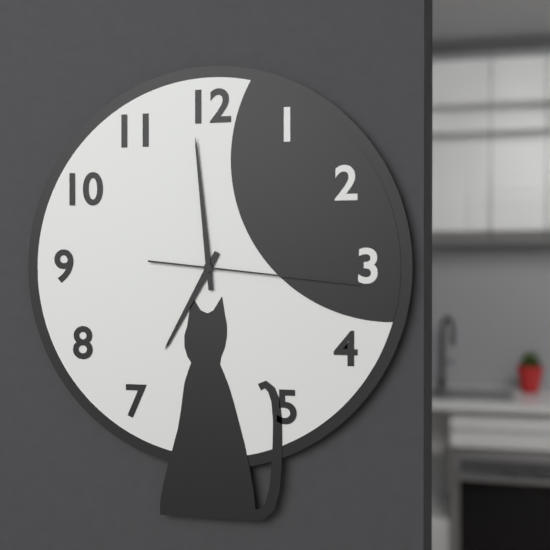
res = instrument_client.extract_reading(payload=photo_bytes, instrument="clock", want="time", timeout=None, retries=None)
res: 6:59:16
